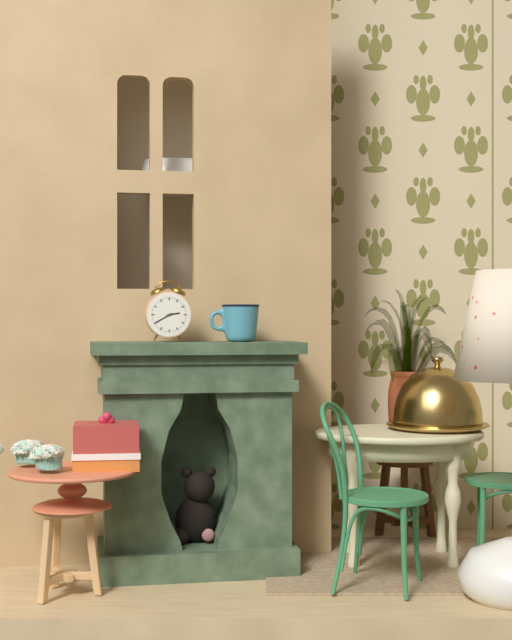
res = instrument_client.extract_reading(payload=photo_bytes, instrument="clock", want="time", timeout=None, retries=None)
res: 2:40
